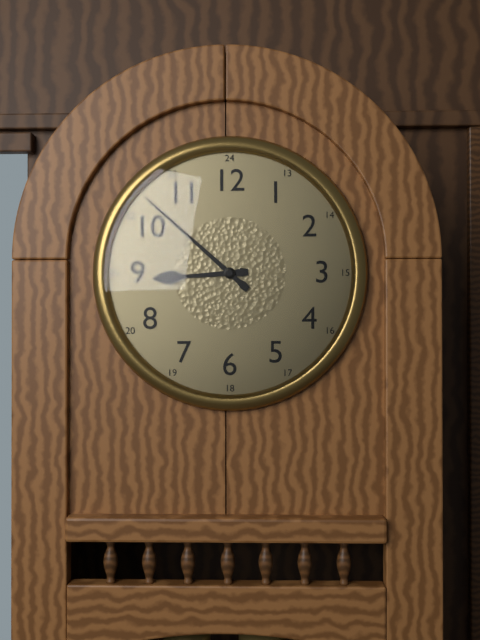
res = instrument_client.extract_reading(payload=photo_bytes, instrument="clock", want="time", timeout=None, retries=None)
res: 8:52
